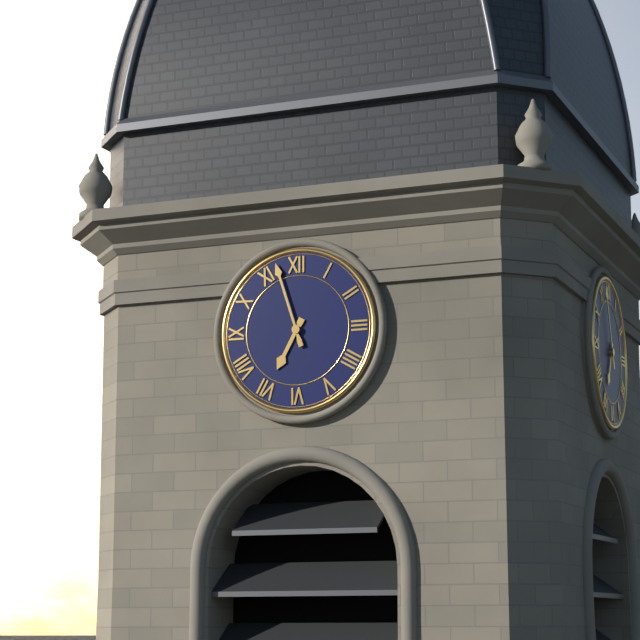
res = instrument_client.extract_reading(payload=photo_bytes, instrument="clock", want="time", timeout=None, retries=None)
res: 6:57
